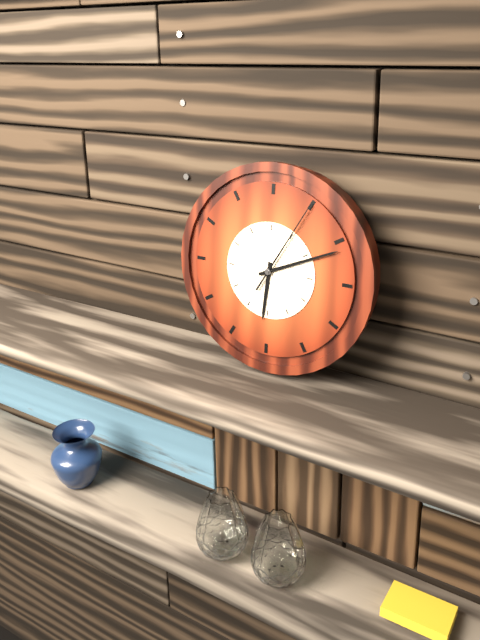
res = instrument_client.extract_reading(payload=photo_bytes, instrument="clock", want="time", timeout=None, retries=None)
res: 6:11:05
